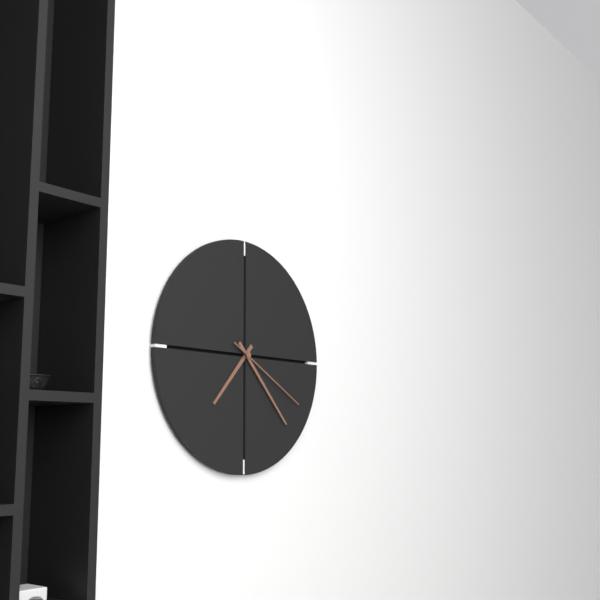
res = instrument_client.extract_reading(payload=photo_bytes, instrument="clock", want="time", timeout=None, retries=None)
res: 7:23:20
